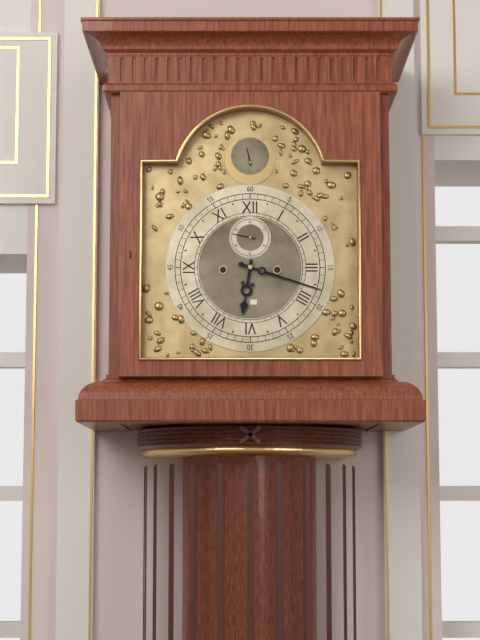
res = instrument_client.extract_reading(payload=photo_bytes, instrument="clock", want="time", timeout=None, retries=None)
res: 6:18
